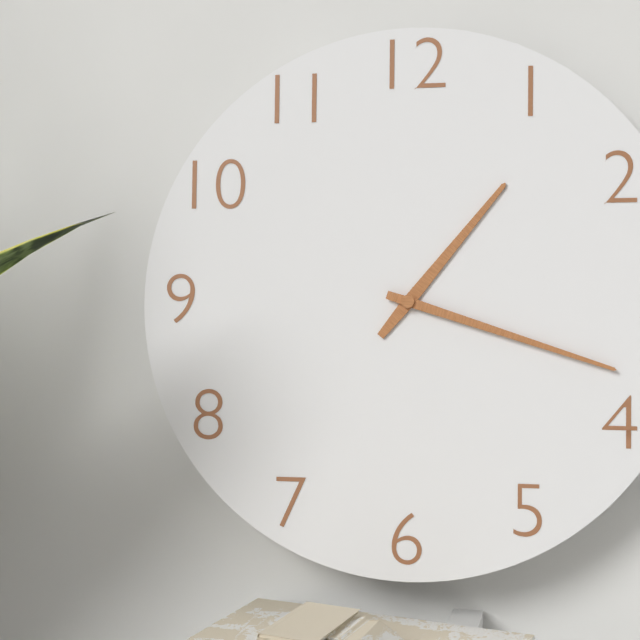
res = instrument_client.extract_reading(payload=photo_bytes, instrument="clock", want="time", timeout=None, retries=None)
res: 1:18
